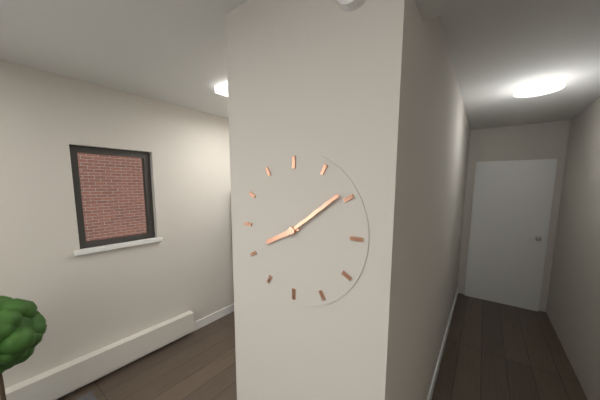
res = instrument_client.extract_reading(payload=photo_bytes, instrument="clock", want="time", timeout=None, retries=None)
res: 8:09
